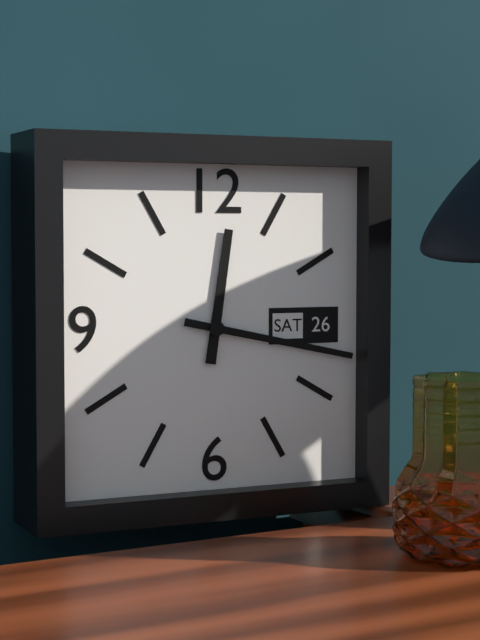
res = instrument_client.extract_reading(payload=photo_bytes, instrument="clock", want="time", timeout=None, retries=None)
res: 12:17
